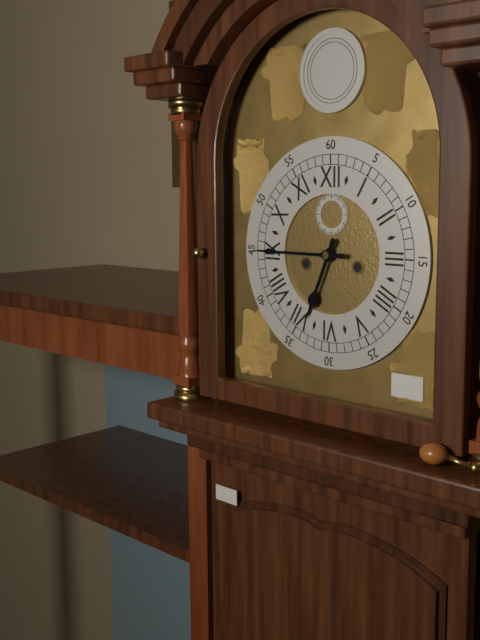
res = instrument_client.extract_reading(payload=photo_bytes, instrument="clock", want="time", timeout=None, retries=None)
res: 6:45
